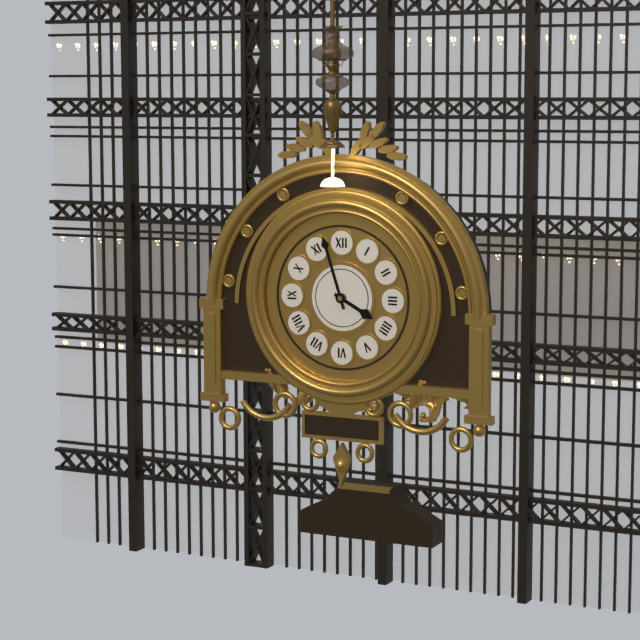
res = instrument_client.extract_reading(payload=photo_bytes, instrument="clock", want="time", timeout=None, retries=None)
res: 3:57
